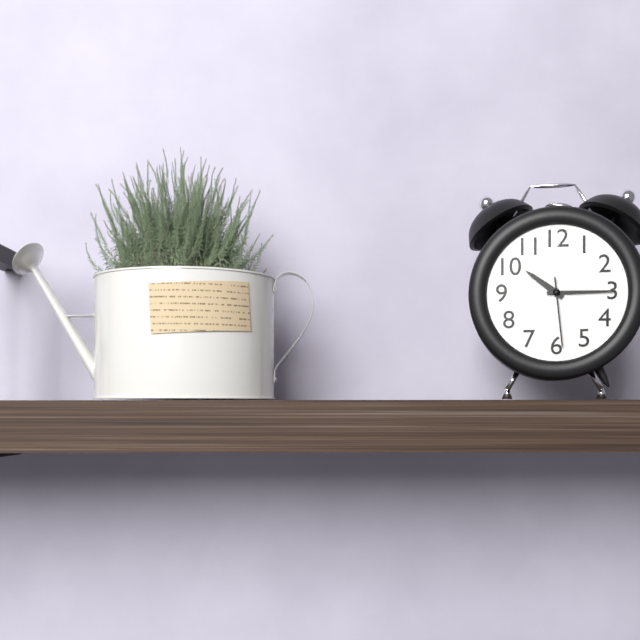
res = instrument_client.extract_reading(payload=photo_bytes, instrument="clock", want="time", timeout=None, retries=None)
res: 10:15:29
